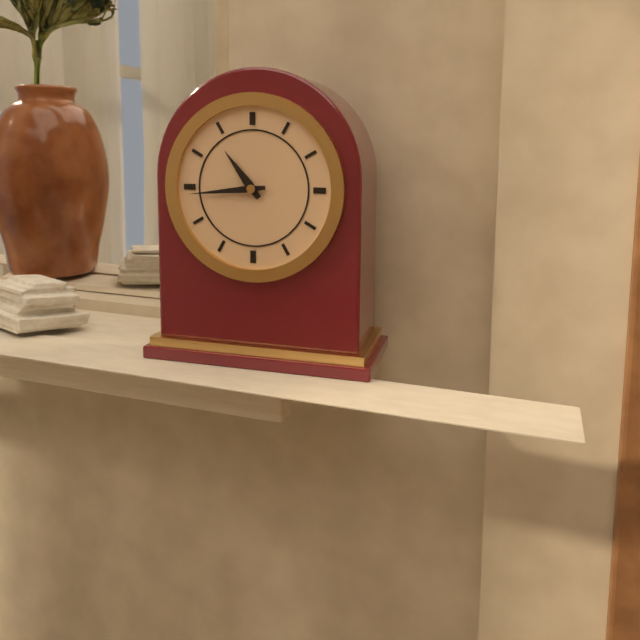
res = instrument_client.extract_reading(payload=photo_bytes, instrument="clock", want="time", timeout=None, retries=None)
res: 10:44
